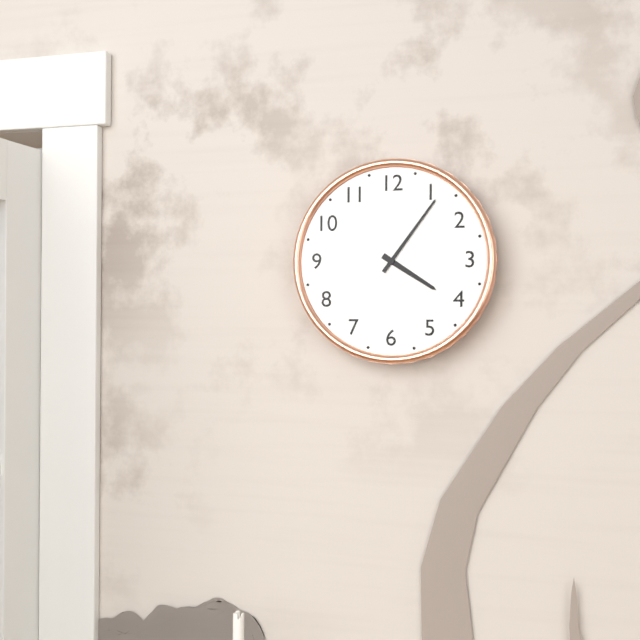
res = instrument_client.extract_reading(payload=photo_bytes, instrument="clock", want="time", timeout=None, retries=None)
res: 4:06
